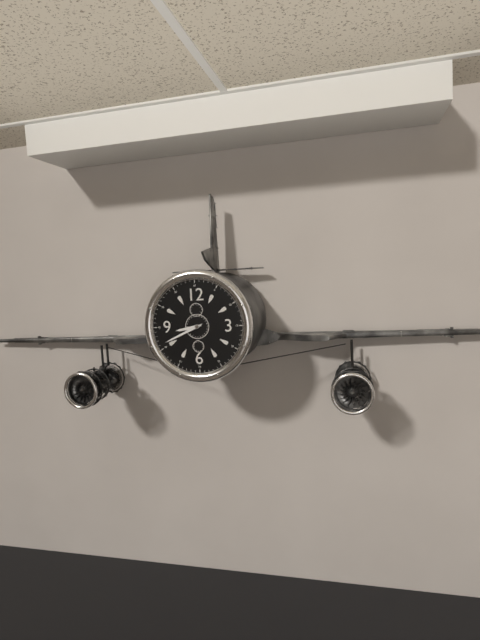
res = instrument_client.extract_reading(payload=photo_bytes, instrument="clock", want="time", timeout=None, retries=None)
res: 8:41
